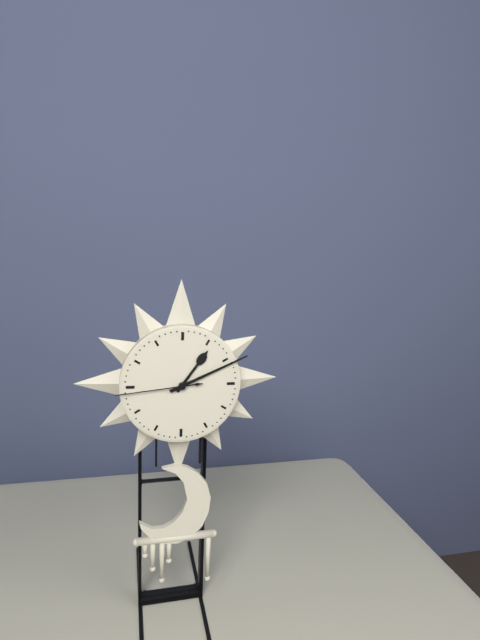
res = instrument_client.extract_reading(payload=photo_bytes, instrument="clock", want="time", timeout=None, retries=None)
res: 1:11:44
